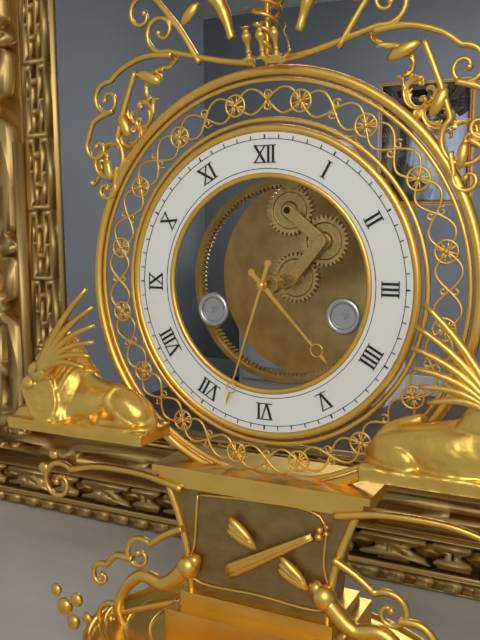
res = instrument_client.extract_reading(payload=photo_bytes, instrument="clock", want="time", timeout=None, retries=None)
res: 4:33
